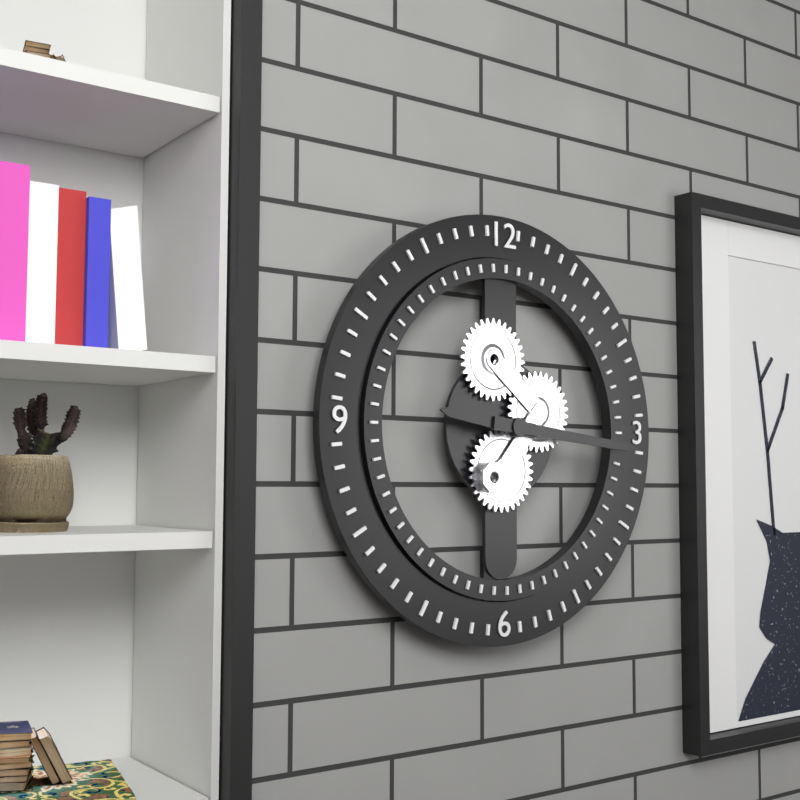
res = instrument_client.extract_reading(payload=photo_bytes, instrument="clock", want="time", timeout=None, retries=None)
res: 9:16
